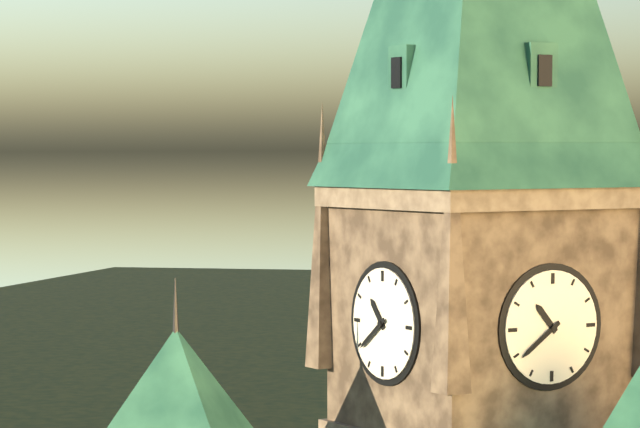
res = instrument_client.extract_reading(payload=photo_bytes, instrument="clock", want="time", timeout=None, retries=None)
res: 10:39
